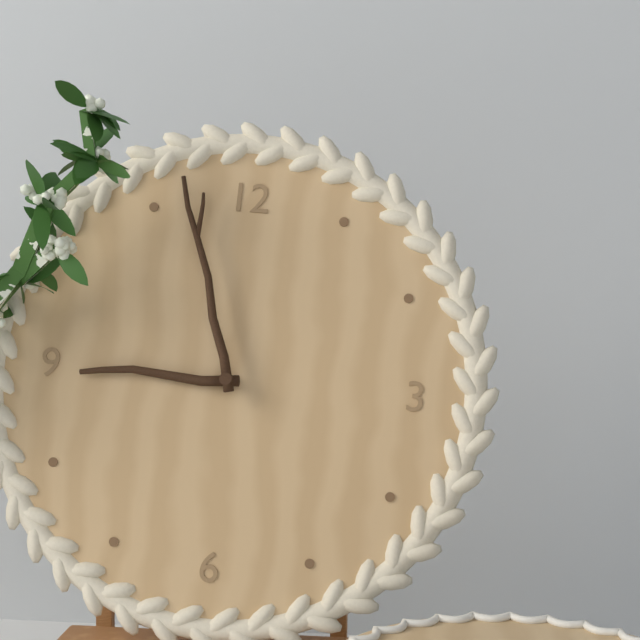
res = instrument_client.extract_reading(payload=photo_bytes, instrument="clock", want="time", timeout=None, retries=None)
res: 8:57
